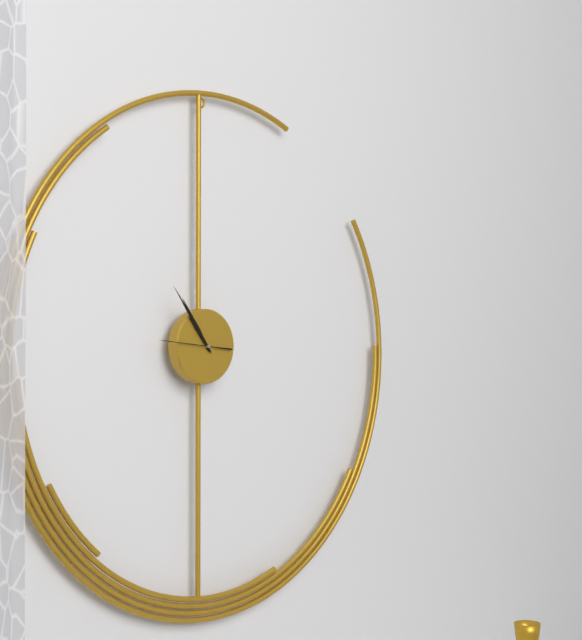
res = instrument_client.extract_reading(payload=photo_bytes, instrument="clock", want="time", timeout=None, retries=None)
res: 10:54:46
